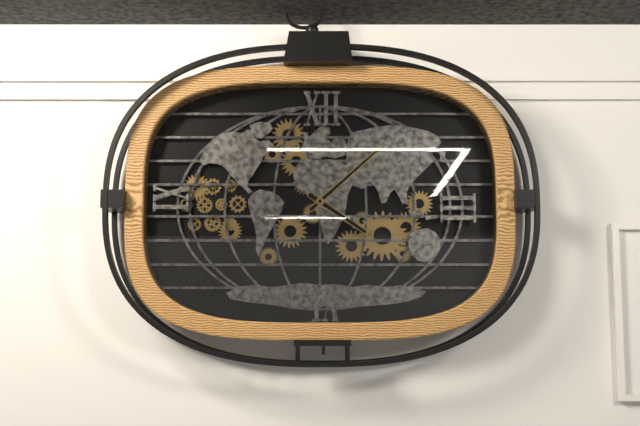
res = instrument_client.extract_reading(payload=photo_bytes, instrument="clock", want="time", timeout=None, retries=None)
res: 4:08
